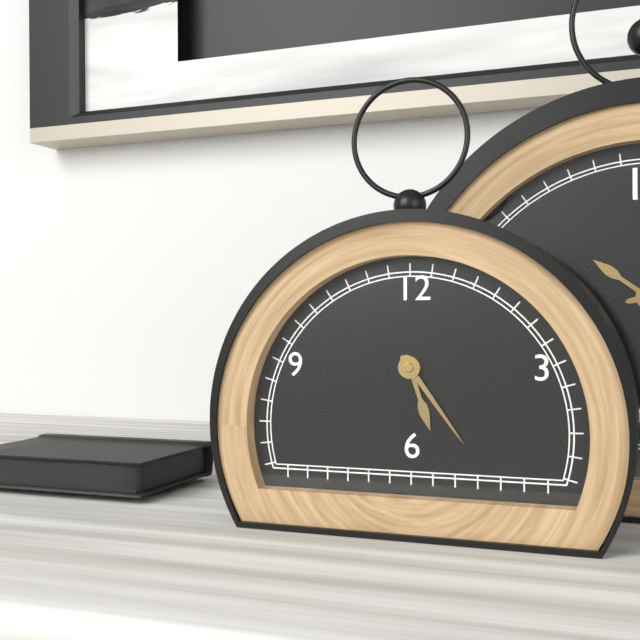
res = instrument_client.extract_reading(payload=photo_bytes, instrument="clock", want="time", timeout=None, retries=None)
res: 5:24
